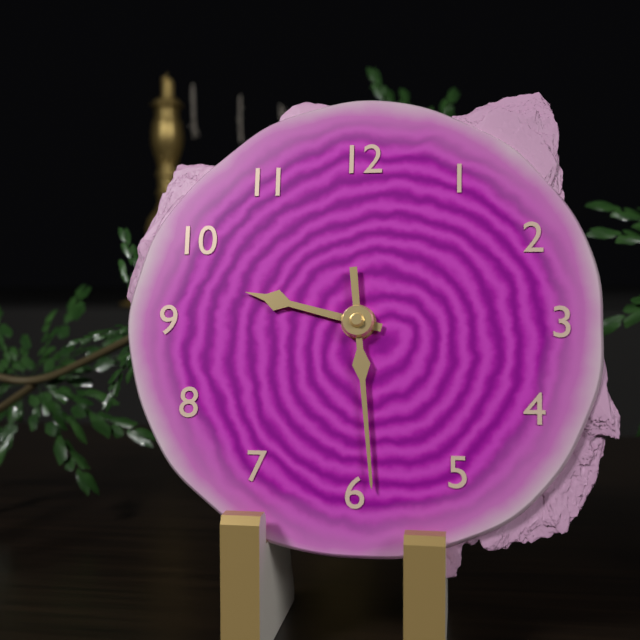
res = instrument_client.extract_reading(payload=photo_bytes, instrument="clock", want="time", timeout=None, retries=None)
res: 9:29
